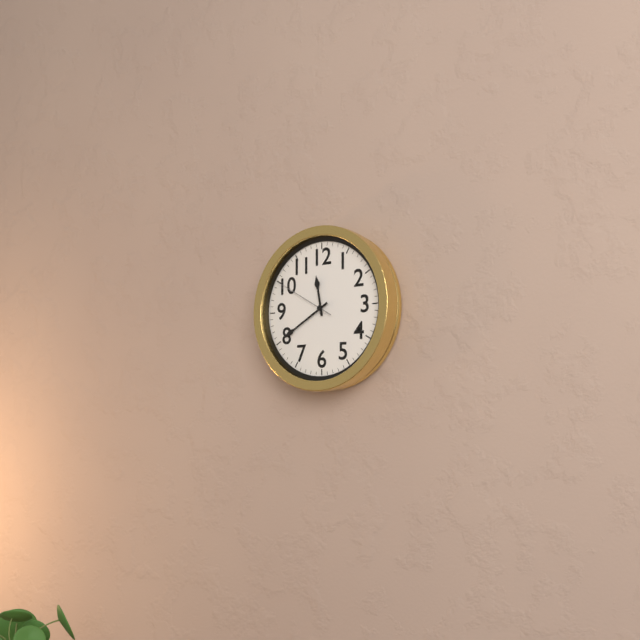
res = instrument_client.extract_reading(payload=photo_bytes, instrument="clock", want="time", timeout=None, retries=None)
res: 11:40:50
